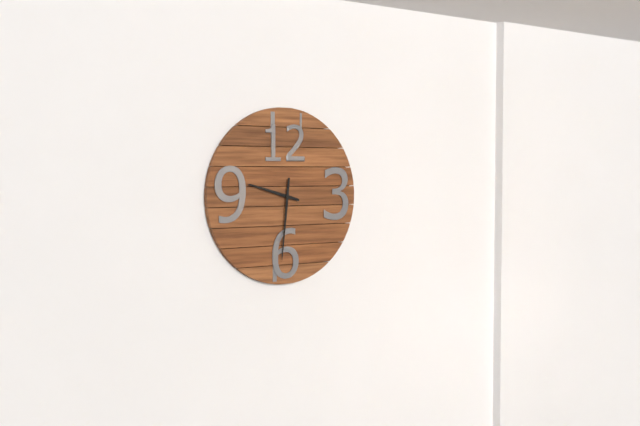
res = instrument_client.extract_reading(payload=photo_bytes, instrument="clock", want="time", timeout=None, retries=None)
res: 9:31
